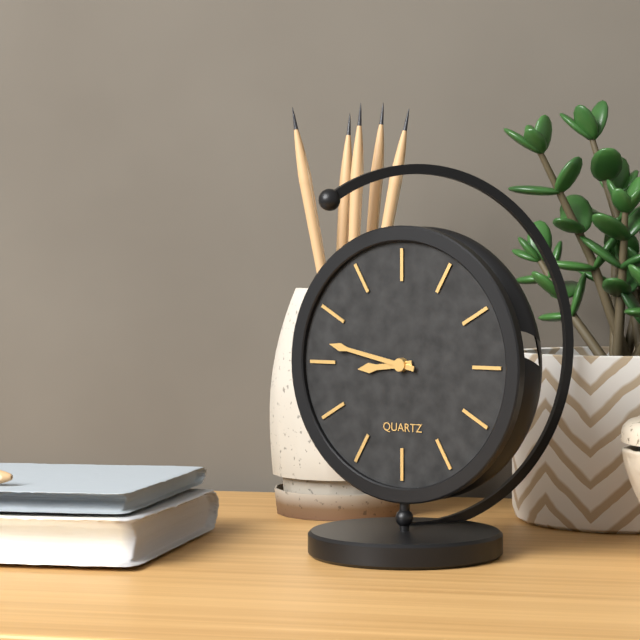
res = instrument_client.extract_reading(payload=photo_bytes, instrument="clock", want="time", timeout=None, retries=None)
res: 8:47
